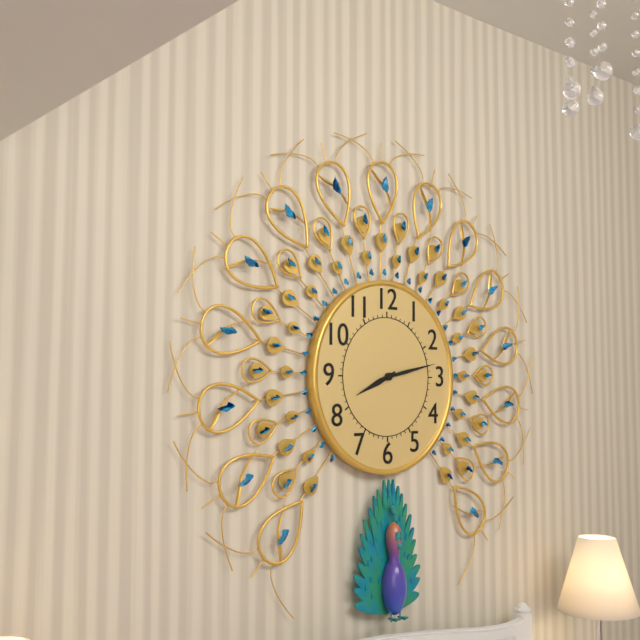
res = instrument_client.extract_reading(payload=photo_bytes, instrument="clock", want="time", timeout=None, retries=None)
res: 8:13
